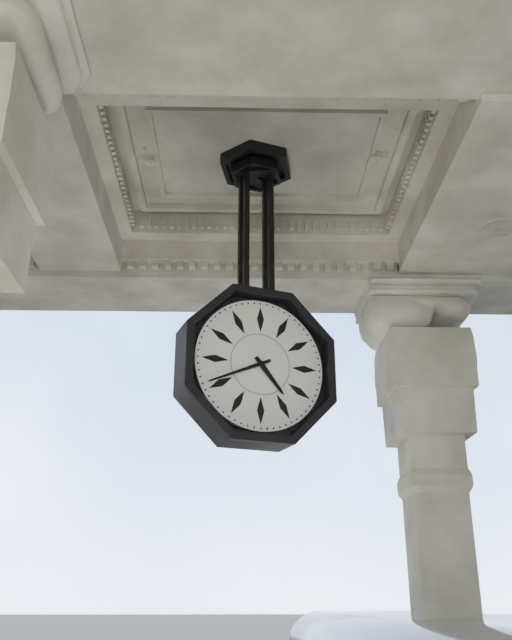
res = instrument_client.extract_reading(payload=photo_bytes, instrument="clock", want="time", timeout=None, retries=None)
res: 4:41
